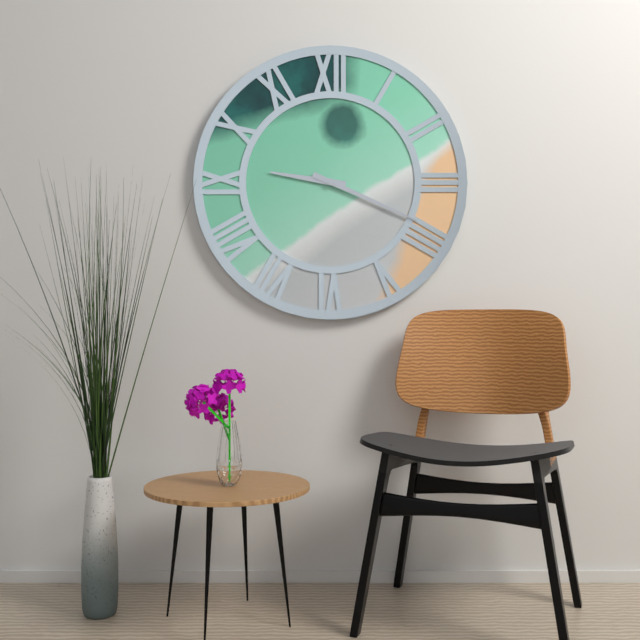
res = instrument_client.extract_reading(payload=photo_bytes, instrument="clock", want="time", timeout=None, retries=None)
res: 9:19
